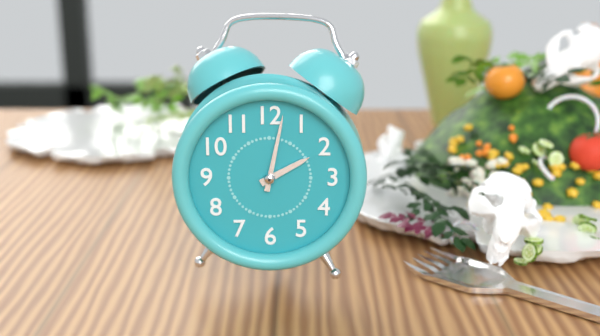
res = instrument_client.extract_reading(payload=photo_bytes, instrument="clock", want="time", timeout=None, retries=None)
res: 2:02
